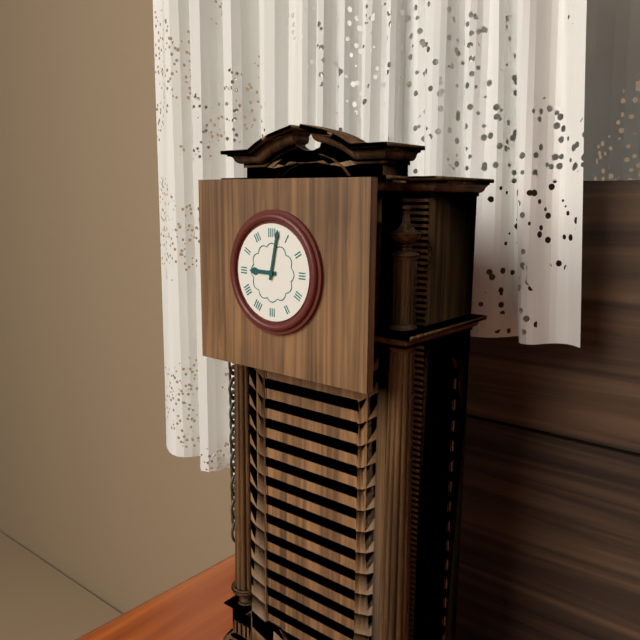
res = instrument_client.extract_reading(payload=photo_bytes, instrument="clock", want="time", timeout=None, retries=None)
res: 9:02
